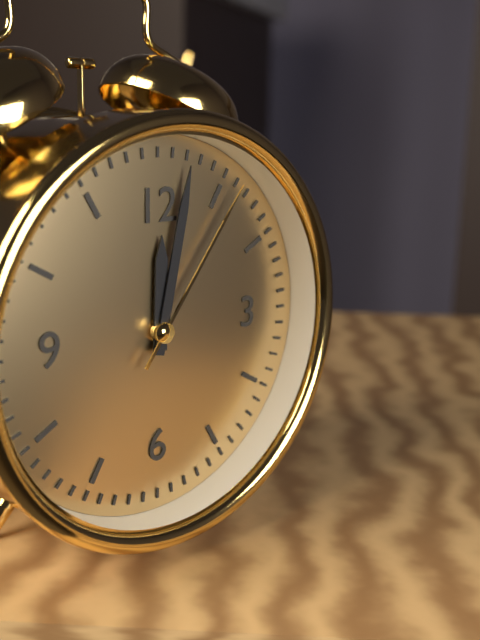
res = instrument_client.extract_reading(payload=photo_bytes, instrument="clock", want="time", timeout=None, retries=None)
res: 12:02:06
